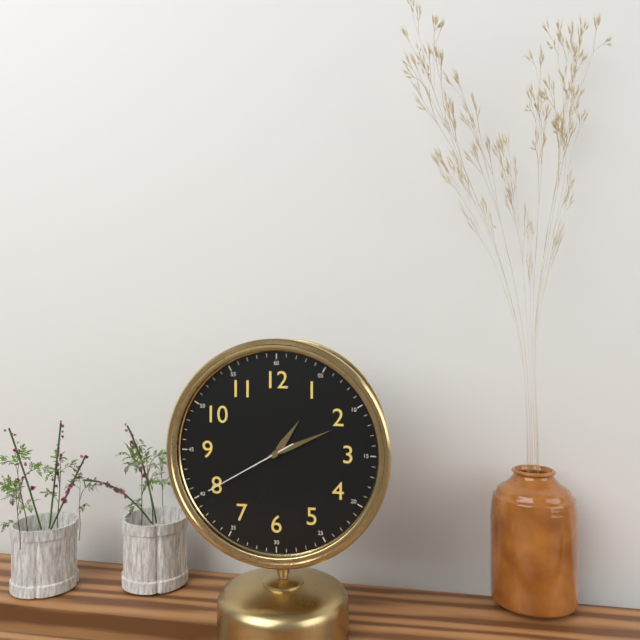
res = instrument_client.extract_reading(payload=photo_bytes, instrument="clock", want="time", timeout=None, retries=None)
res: 1:11:40
